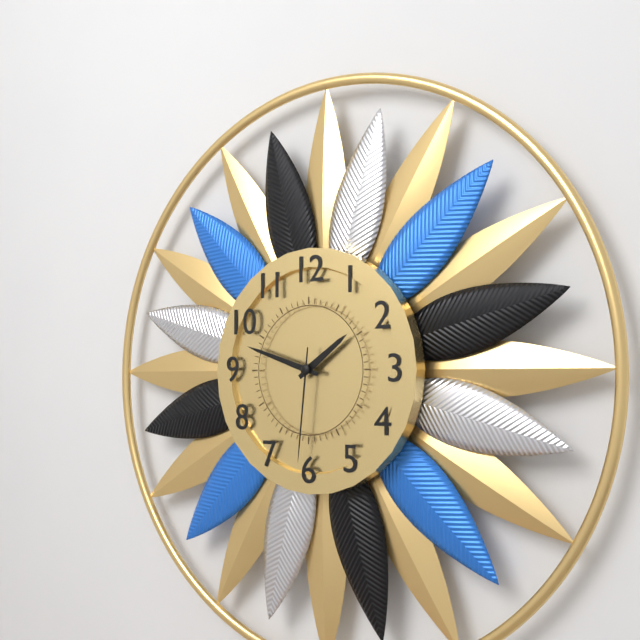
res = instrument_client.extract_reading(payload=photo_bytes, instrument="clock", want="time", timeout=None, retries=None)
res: 1:48:31
